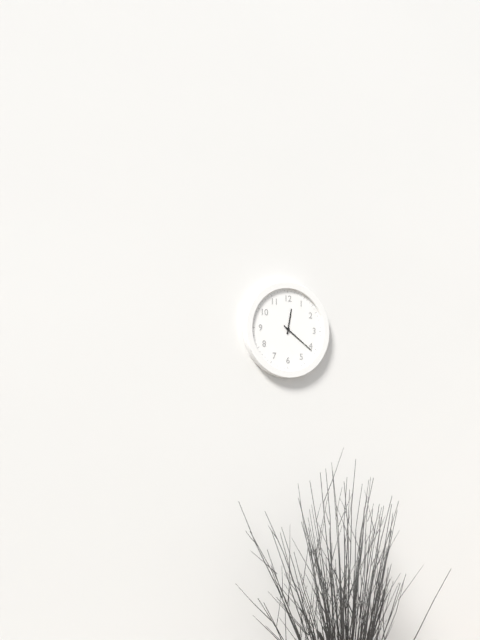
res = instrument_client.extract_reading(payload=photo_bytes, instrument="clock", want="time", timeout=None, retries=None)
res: 12:21
